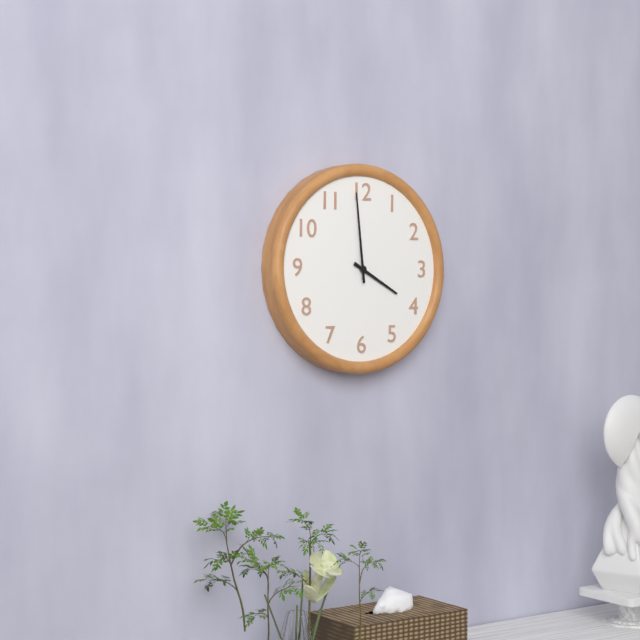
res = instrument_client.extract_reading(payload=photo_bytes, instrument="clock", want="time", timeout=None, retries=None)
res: 3:59
